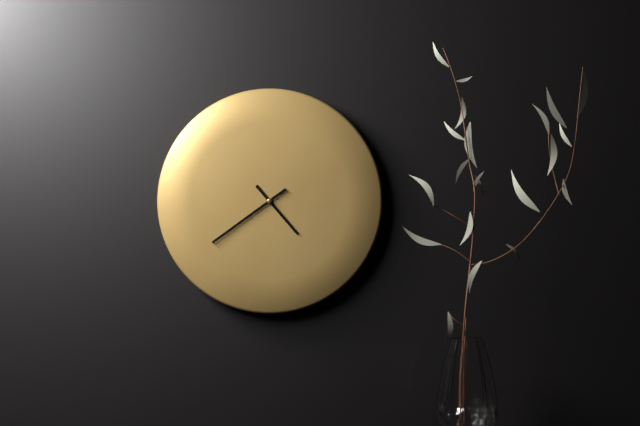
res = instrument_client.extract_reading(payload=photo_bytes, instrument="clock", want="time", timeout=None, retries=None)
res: 4:39
